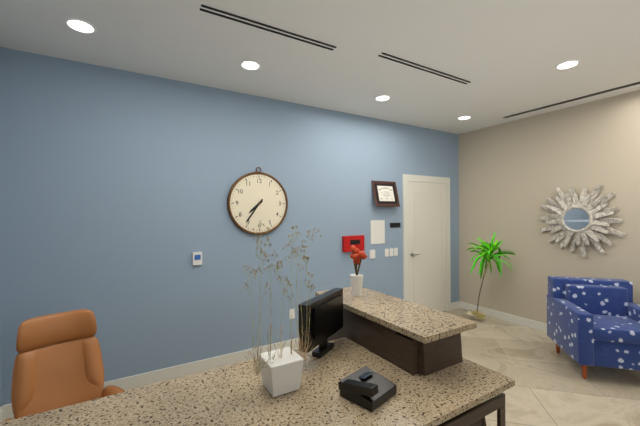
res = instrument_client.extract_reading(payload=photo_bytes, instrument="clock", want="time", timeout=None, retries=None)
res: 7:36
